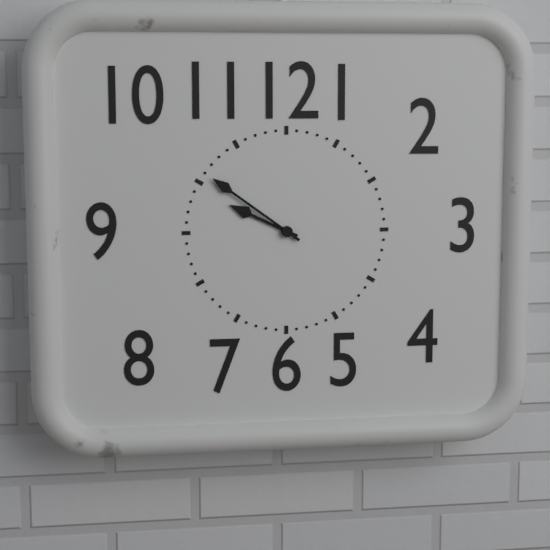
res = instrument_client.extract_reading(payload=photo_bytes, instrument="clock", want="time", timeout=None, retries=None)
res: 9:51
